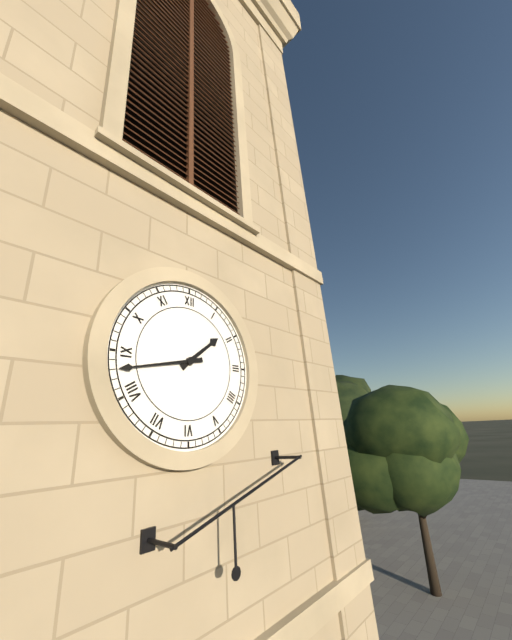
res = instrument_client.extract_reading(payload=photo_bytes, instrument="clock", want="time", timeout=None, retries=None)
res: 1:43
